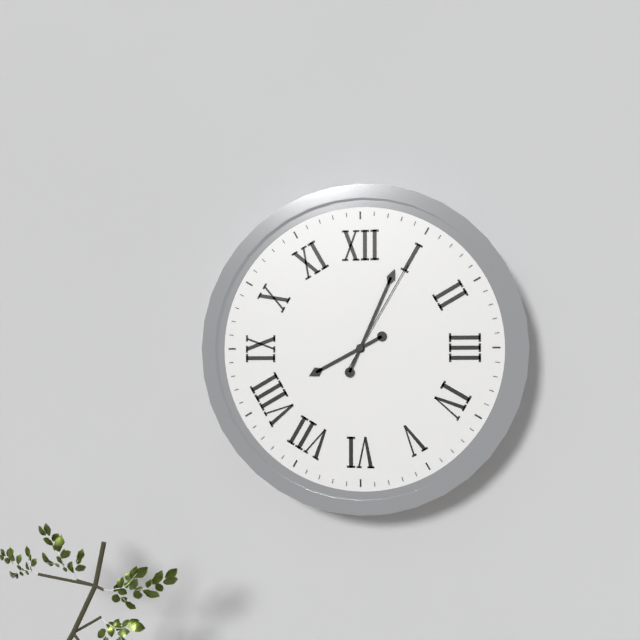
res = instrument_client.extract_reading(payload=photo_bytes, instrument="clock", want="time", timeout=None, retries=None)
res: 8:04:05
